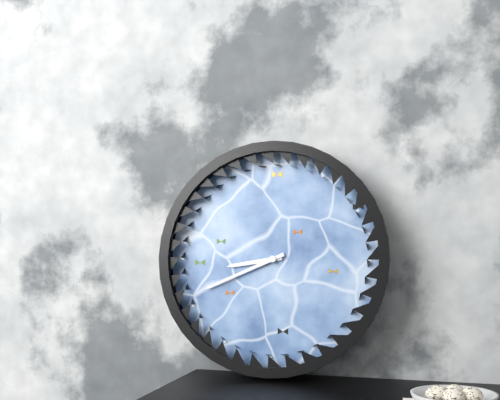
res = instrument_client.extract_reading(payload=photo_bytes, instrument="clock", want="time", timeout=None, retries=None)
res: 8:41
